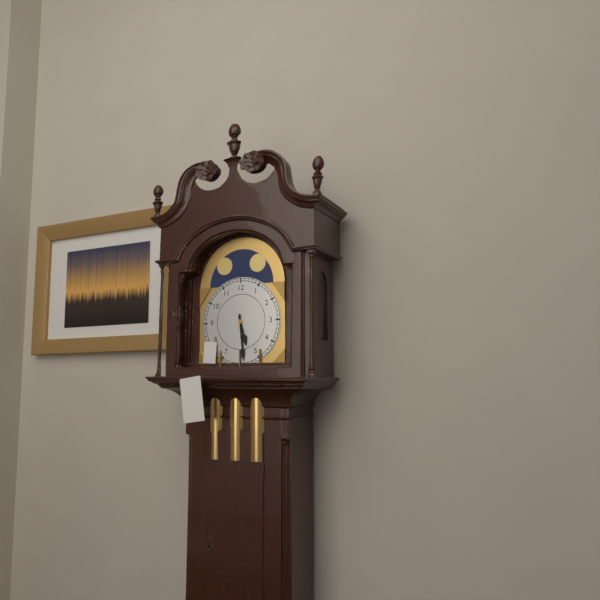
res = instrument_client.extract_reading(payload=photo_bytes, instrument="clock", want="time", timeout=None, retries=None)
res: 5:29
